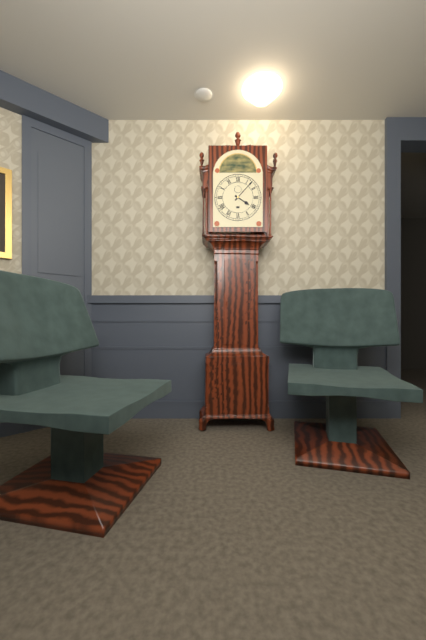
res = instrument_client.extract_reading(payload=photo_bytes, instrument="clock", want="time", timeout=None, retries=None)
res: 4:07
